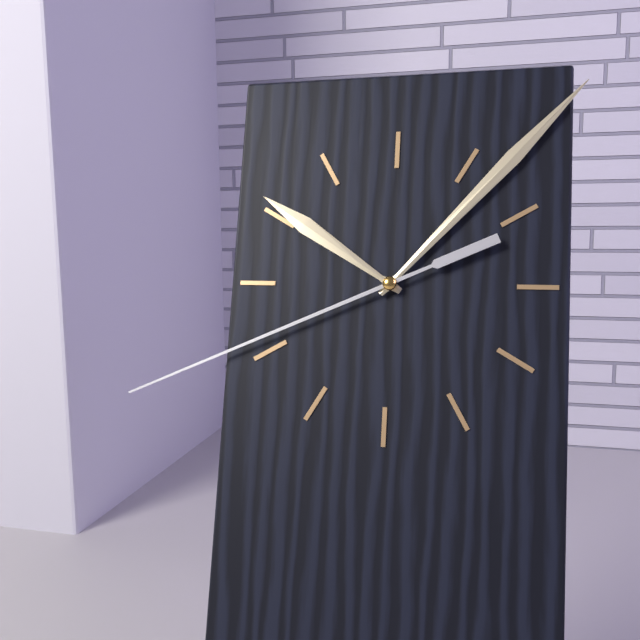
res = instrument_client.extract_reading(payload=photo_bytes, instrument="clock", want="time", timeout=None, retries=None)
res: 10:07:41
